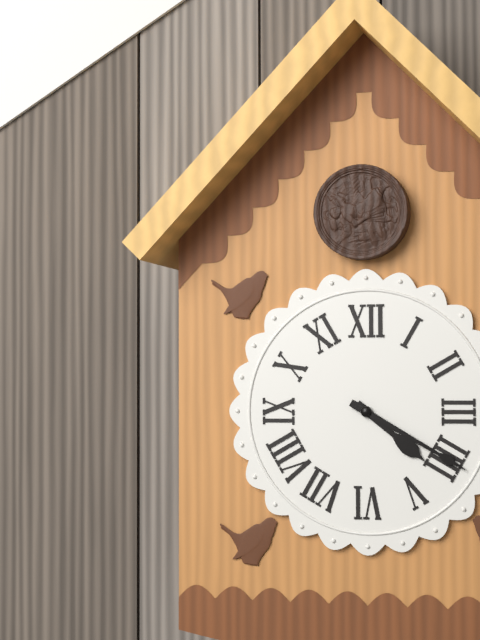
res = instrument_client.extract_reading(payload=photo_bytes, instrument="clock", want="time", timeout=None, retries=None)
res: 4:20
